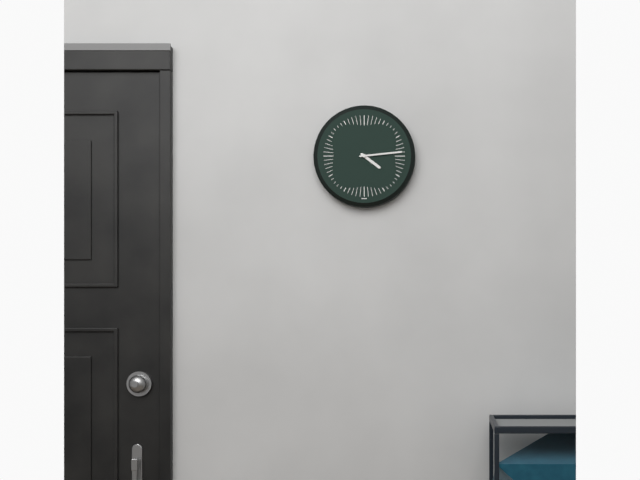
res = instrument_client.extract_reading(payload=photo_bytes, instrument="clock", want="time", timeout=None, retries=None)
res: 4:14
